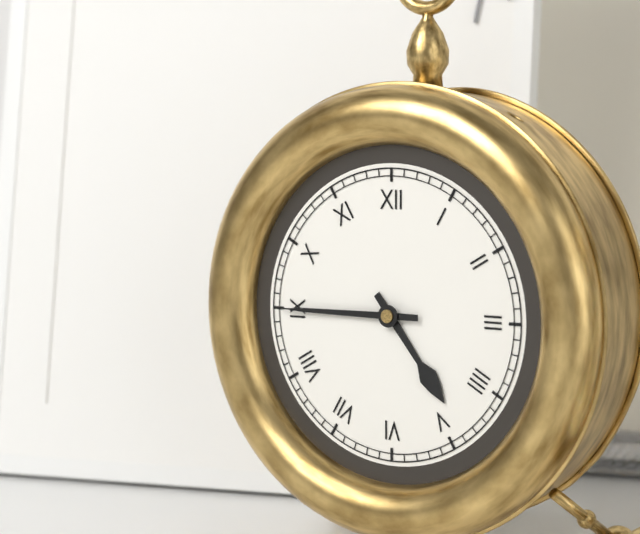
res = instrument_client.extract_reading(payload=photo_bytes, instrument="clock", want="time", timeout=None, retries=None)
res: 4:45
